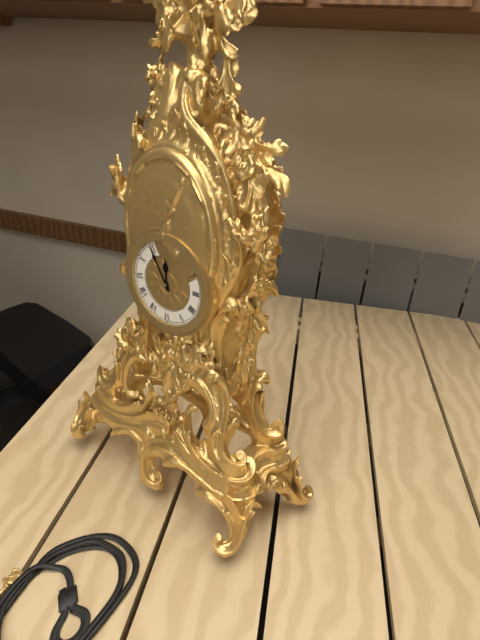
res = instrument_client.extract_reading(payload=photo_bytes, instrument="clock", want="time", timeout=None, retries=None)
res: 11:55
